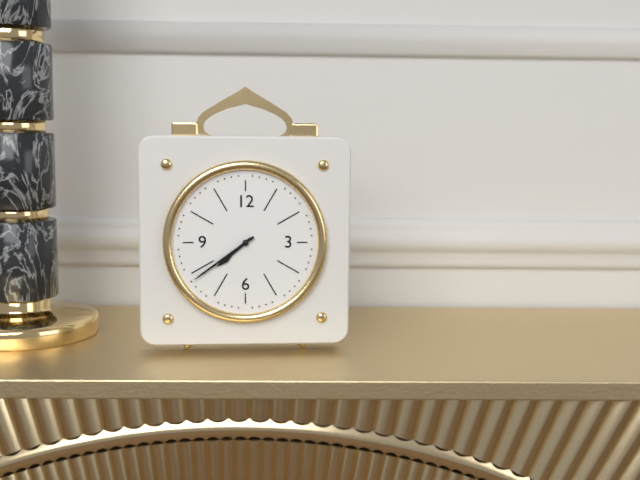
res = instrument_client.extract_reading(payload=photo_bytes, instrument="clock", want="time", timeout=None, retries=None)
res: 7:39
